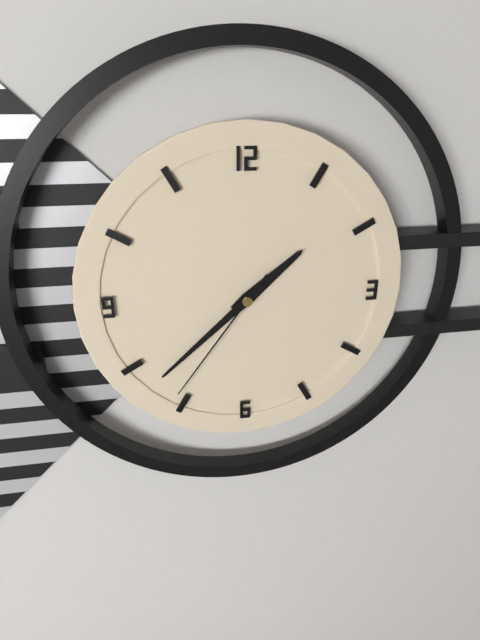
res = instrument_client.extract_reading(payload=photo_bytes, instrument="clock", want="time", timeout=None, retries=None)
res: 1:38:36
